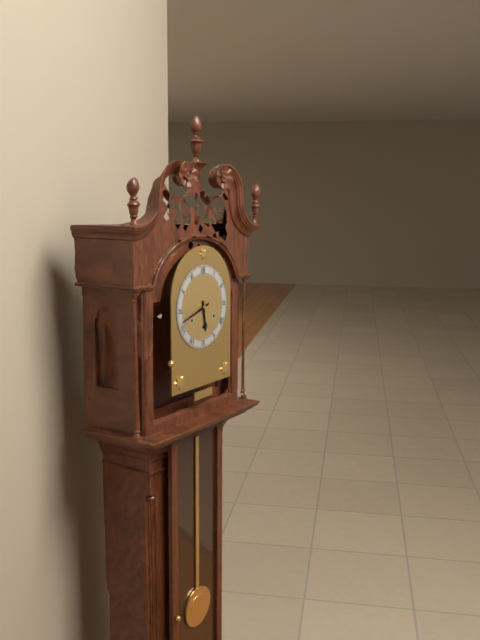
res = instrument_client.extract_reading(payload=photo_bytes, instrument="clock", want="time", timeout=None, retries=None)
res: 5:42
